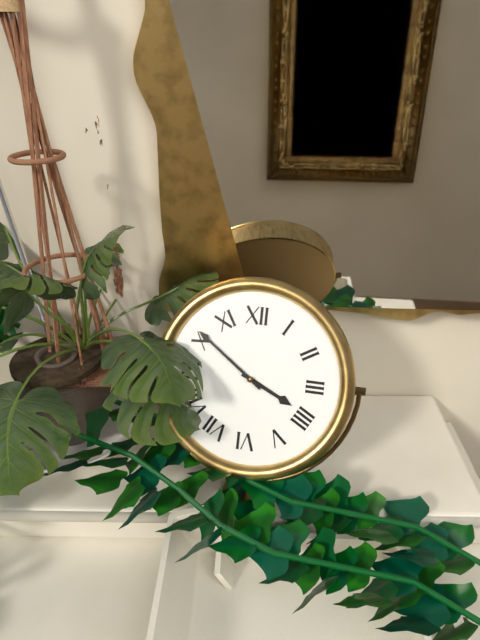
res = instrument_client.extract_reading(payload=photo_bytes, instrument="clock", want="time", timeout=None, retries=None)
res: 3:51
